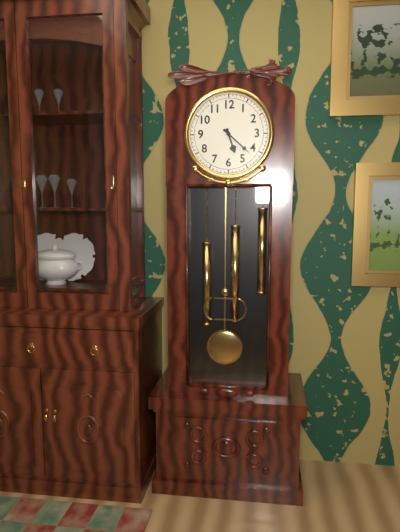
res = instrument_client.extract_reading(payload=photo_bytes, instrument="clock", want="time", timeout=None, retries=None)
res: 5:22
